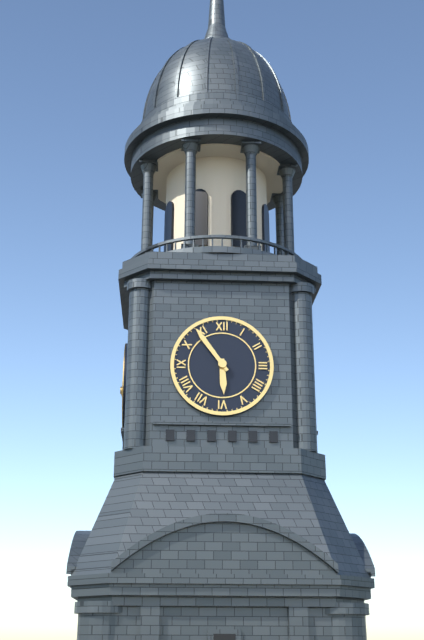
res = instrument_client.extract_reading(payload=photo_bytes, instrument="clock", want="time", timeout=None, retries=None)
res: 5:54
